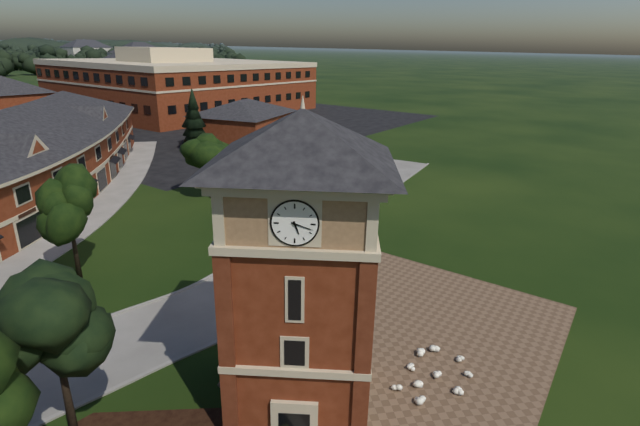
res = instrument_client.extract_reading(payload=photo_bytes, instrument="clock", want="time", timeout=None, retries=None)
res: 5:18
